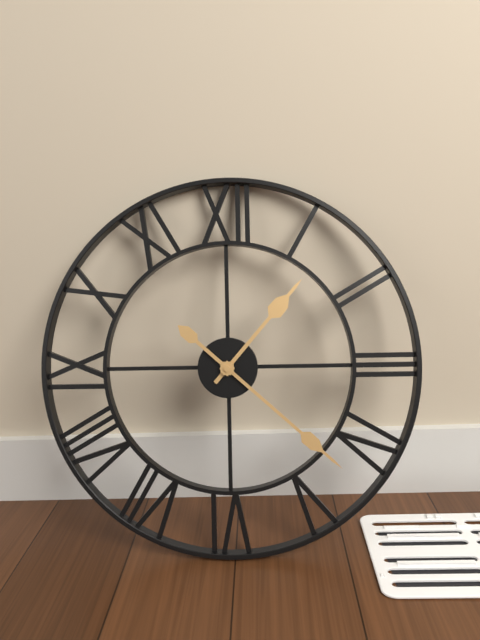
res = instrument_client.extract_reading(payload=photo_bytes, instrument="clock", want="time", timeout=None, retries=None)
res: 1:22
